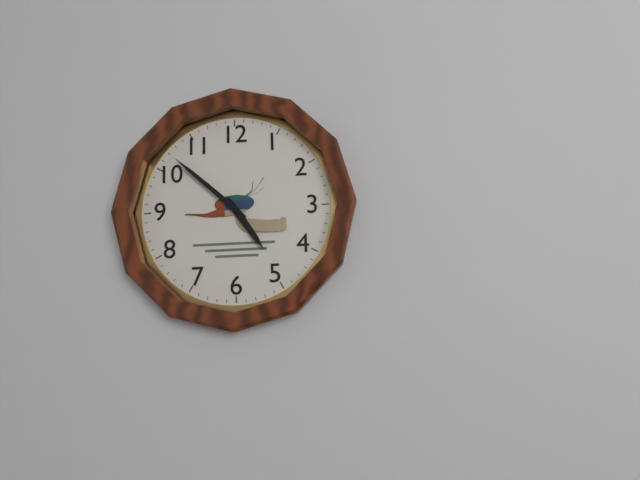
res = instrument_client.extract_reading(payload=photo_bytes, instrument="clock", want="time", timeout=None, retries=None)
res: 4:52
